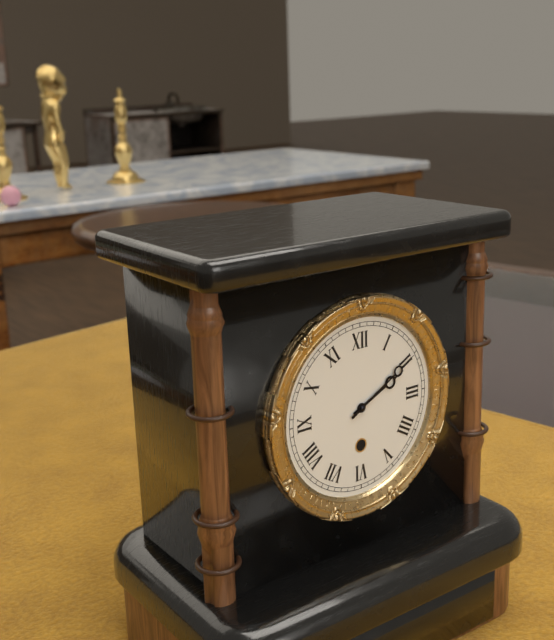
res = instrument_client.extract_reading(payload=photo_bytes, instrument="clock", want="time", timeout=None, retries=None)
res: 2:10
